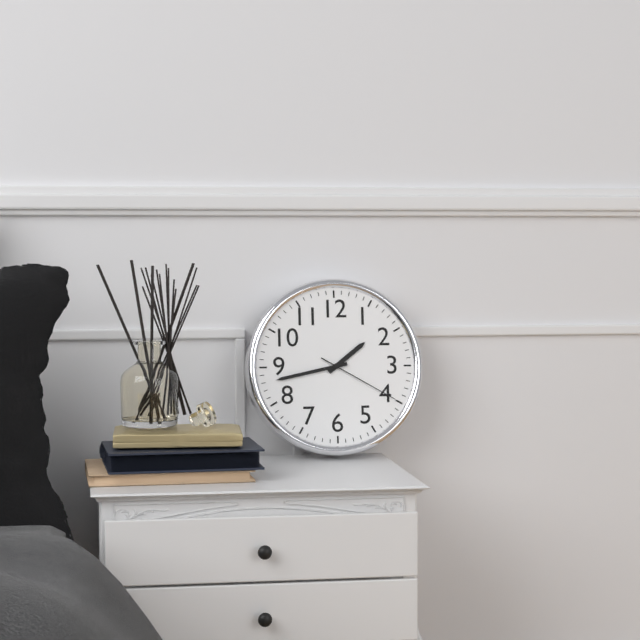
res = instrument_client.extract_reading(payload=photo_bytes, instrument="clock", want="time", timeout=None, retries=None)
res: 1:43:20
